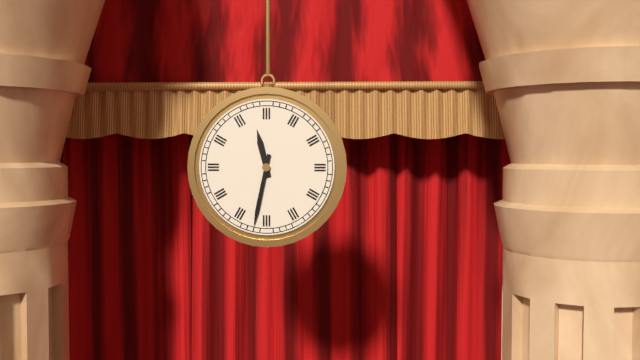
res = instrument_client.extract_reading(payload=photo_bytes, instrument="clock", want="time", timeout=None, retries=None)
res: 11:32
